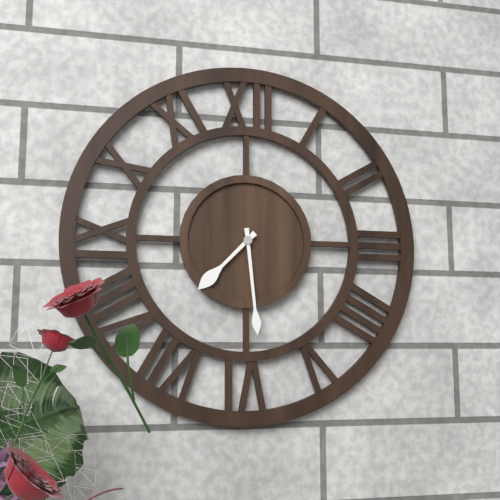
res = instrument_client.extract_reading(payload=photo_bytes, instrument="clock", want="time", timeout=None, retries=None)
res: 7:29
